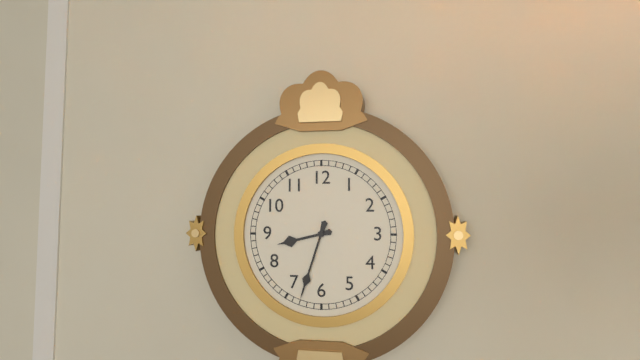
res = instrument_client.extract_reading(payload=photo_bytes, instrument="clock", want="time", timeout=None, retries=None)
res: 8:33
